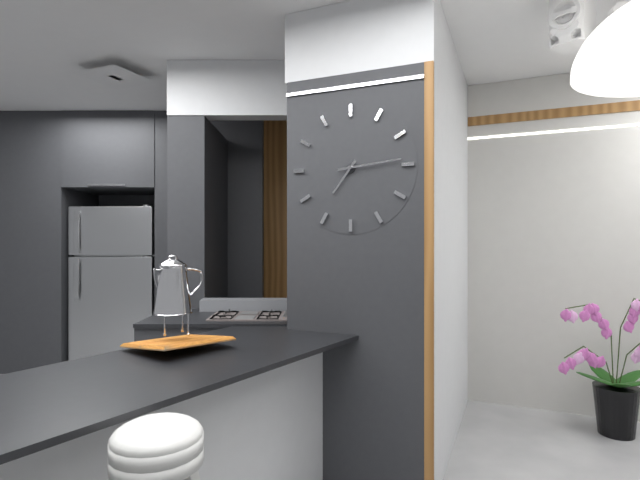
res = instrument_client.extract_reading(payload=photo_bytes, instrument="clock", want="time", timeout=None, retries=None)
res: 7:14
